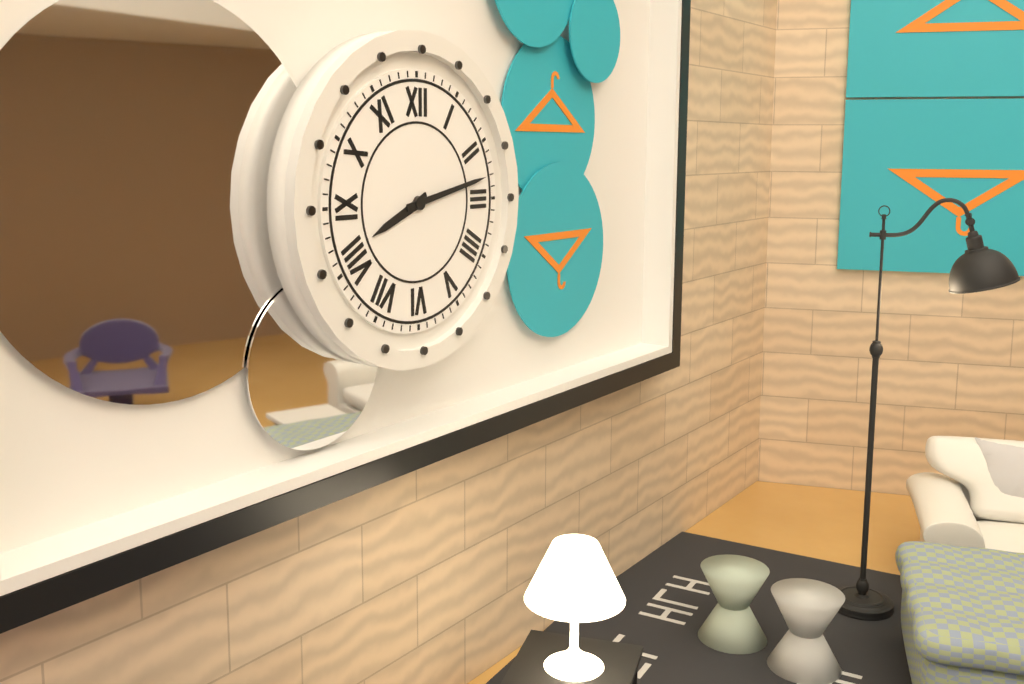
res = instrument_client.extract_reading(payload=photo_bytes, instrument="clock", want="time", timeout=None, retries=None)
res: 8:13
